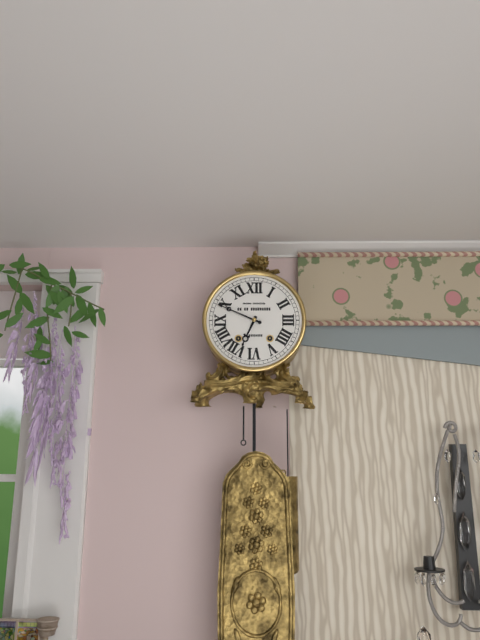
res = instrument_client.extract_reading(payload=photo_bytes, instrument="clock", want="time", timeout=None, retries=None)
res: 6:49
